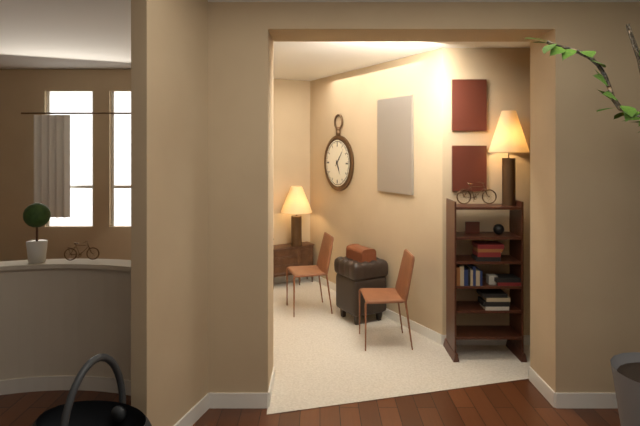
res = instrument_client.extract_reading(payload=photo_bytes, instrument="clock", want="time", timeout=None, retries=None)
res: 5:07
